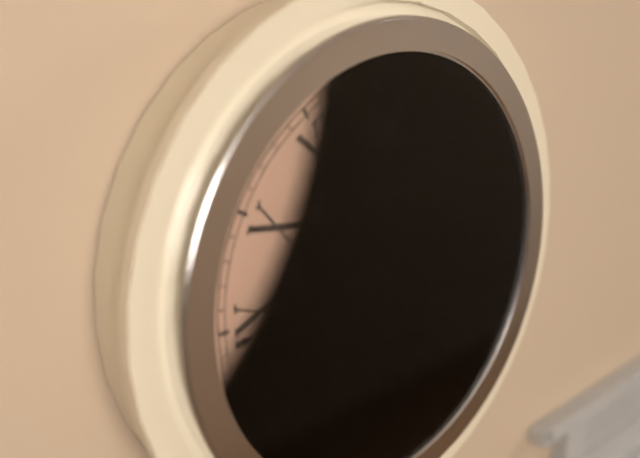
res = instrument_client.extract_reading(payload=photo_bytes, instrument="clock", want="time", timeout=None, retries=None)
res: 8:30
